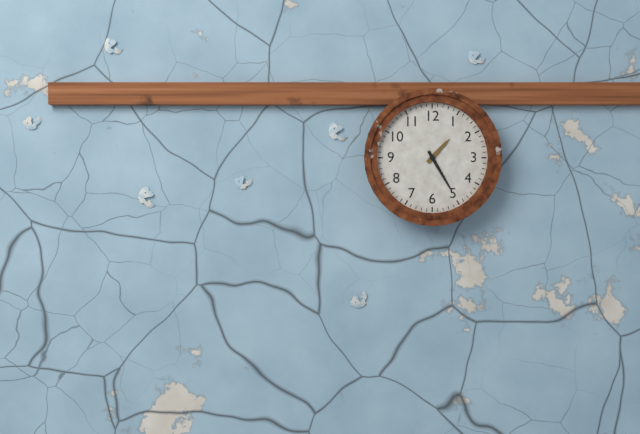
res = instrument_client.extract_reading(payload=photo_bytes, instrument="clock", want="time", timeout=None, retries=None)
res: 1:25
